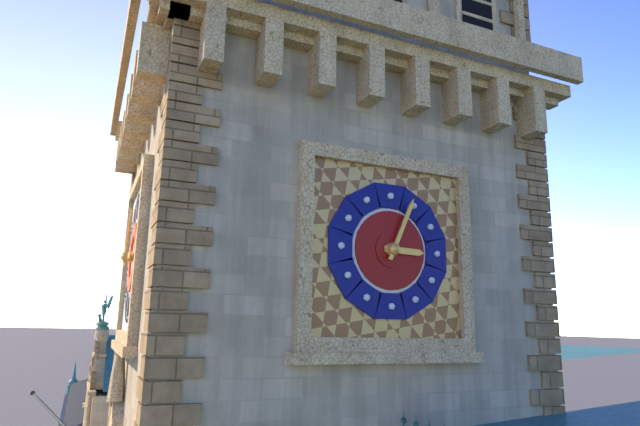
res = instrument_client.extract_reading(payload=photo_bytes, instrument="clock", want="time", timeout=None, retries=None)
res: 3:04
